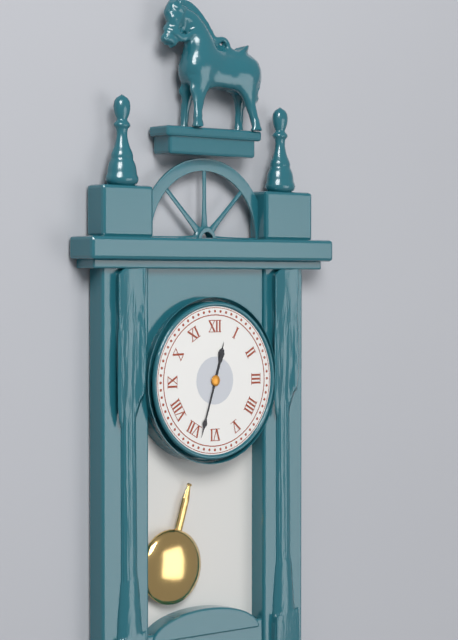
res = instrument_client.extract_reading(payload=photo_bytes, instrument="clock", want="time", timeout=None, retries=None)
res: 12:33
